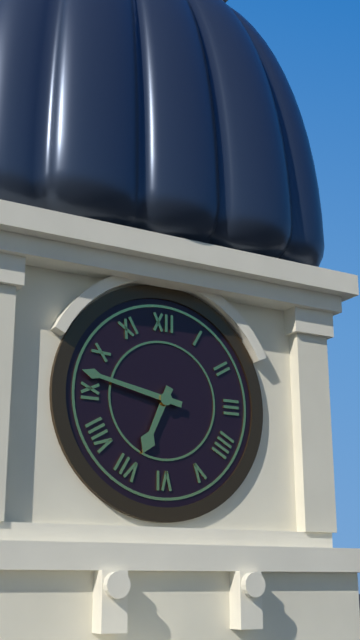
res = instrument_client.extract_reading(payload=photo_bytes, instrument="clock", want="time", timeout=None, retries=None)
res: 6:47
